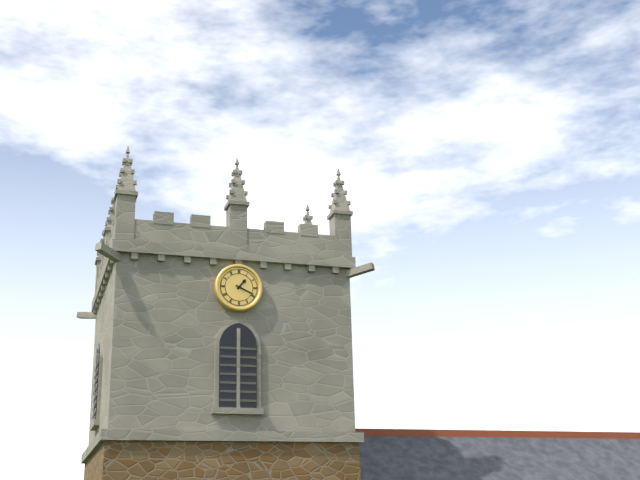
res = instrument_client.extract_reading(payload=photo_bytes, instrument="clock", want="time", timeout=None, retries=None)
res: 1:19
